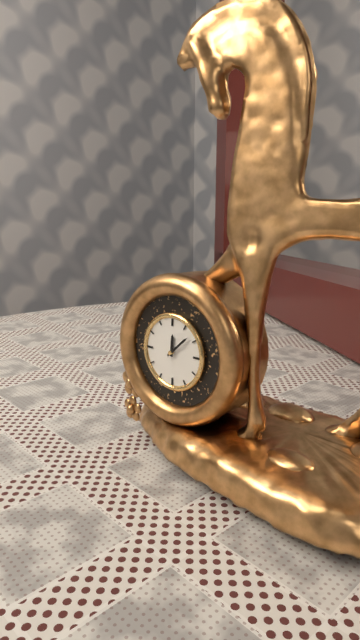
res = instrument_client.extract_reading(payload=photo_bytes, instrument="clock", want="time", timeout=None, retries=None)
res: 12:08
